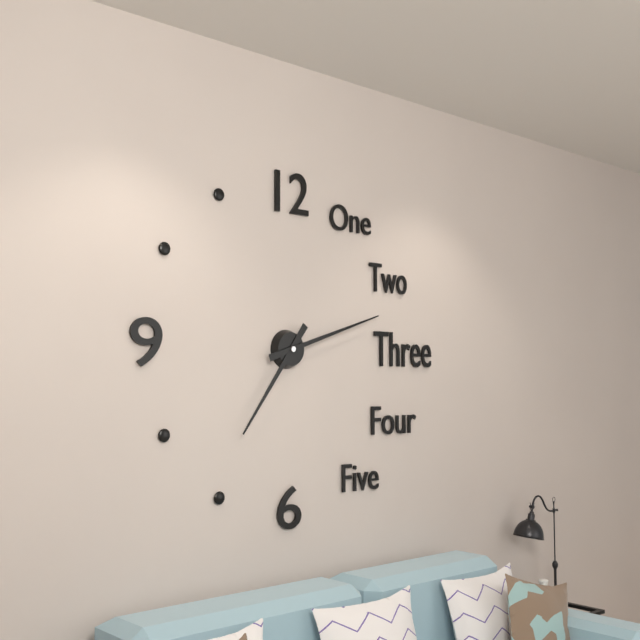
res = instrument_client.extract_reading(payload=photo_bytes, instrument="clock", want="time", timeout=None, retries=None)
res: 7:12
